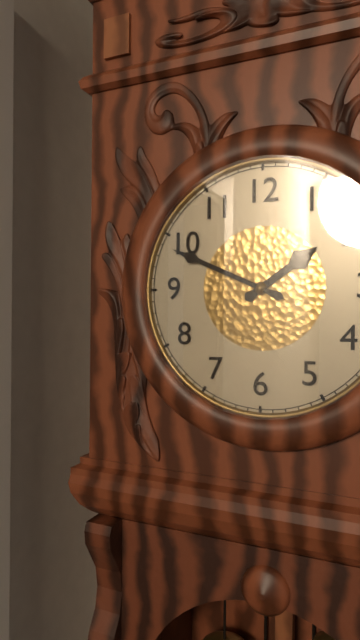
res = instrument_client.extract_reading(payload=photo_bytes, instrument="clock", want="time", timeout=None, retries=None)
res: 1:49
